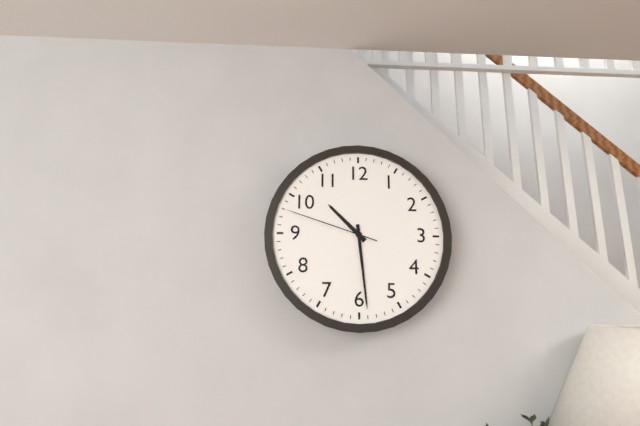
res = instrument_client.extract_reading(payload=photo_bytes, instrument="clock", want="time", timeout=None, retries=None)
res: 10:29:48
